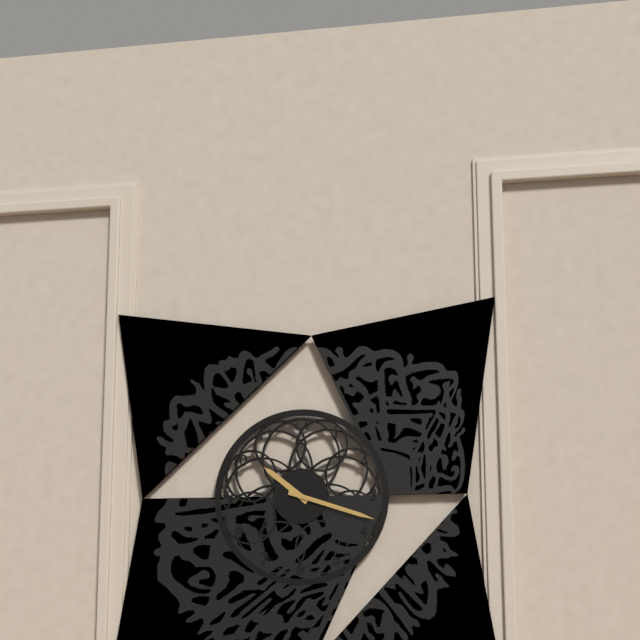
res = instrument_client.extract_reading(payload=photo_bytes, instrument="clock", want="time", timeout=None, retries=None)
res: 10:18
